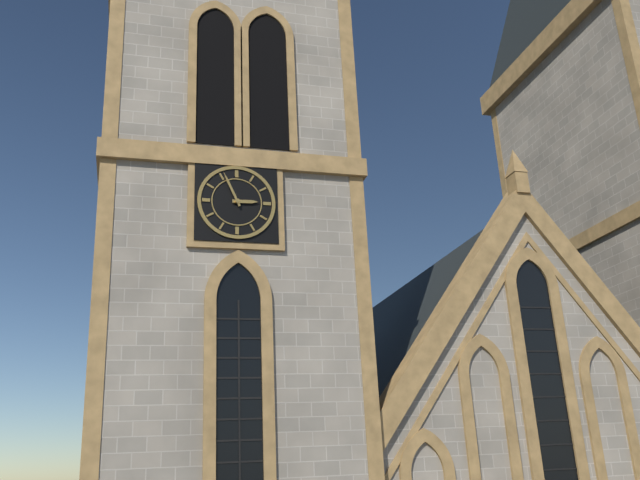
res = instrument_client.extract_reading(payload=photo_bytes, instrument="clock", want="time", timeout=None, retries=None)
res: 2:56
